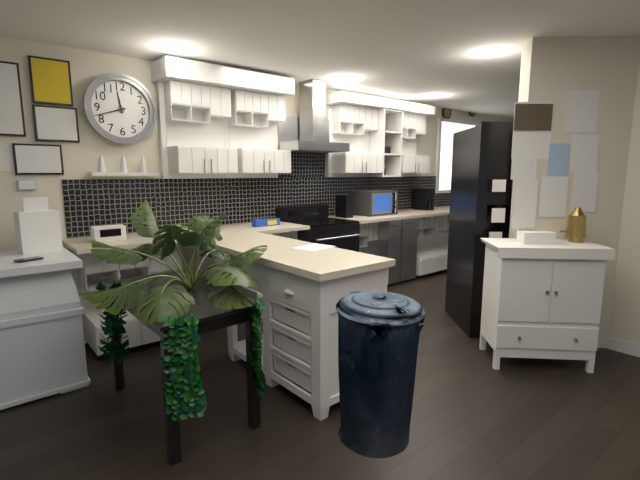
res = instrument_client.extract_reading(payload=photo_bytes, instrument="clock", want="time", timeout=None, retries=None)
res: 11:42
